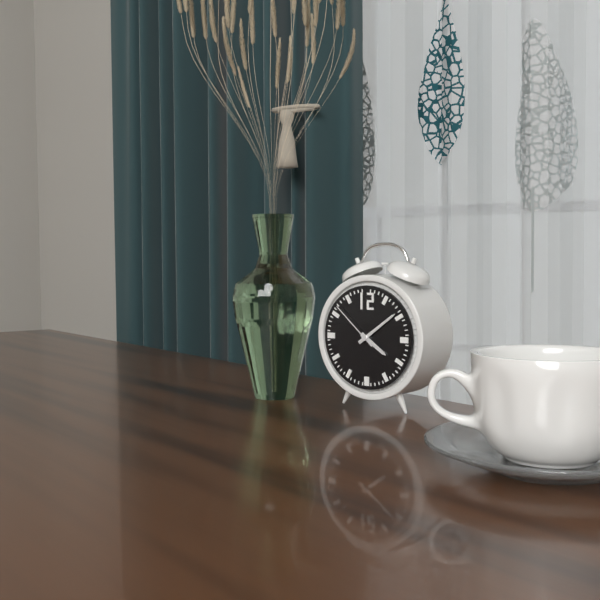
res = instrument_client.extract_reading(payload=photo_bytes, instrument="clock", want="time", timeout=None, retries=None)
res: 4:09:52
